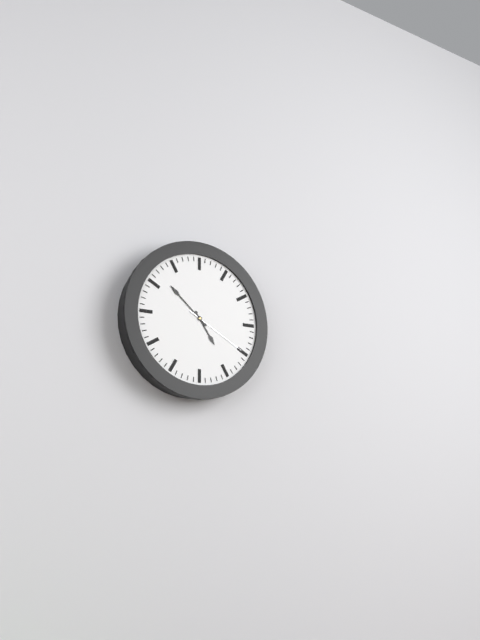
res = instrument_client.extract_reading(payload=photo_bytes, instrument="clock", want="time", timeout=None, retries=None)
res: 4:52:20
